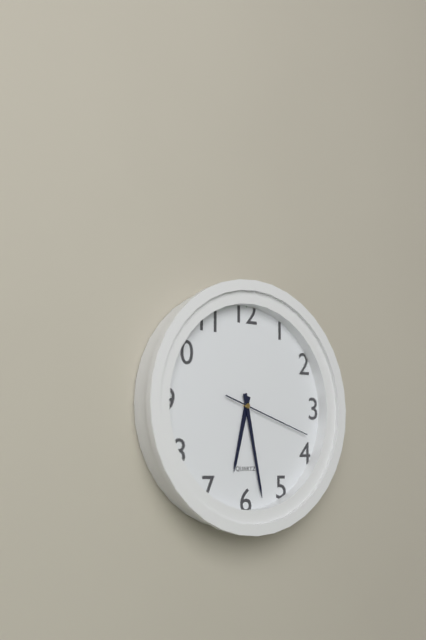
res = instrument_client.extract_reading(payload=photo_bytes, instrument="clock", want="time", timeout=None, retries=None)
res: 6:28:18
